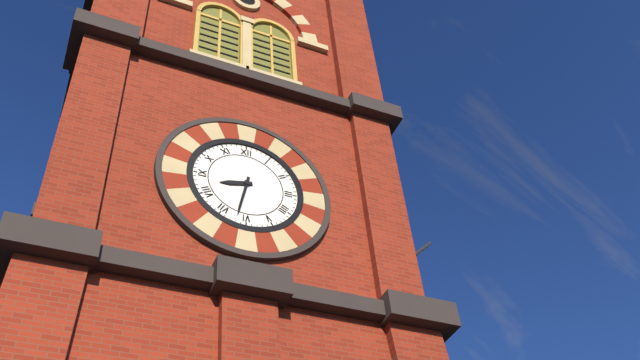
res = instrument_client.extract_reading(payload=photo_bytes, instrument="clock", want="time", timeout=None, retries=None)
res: 8:32
